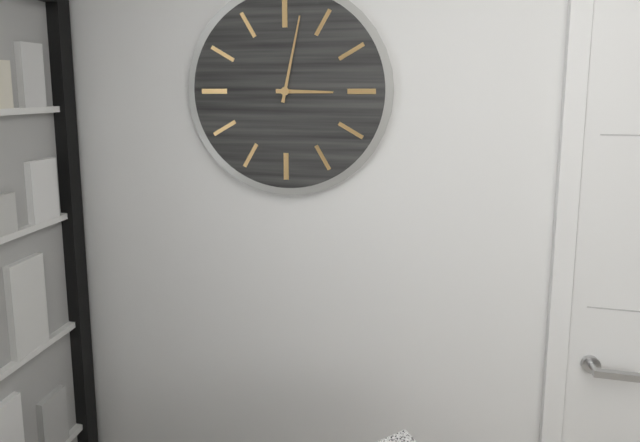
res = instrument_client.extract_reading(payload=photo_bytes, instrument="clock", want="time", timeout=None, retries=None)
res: 3:02
